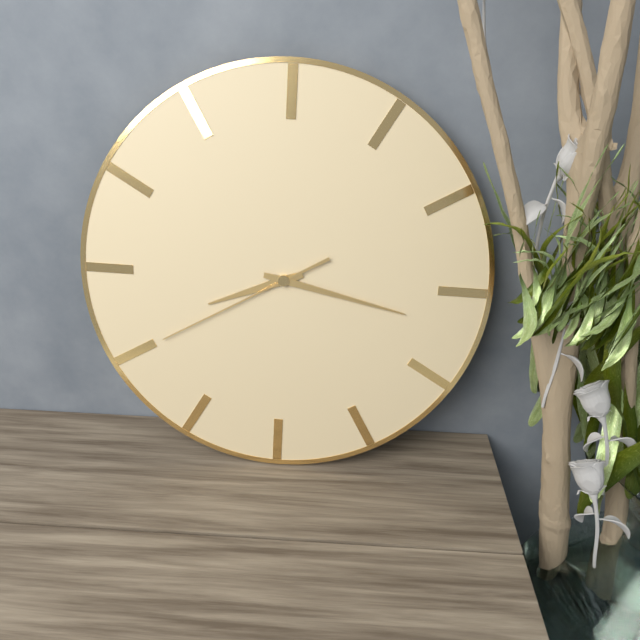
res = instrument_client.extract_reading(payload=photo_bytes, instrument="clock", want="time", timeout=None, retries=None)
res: 8:17:40
